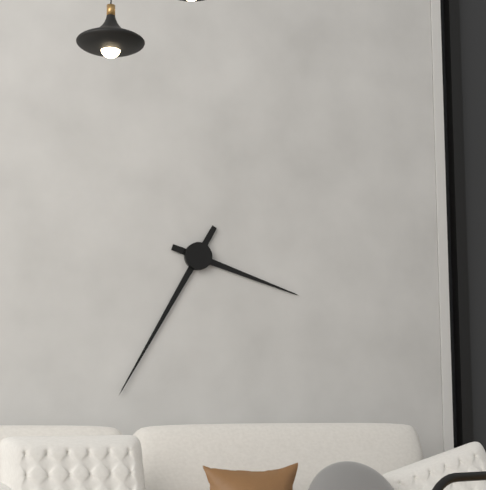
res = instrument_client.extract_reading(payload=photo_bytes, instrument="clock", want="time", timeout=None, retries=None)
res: 3:35
